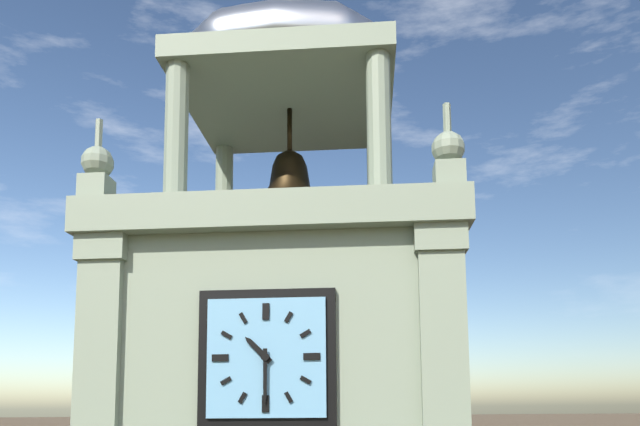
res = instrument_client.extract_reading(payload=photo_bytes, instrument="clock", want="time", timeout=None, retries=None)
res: 10:30
